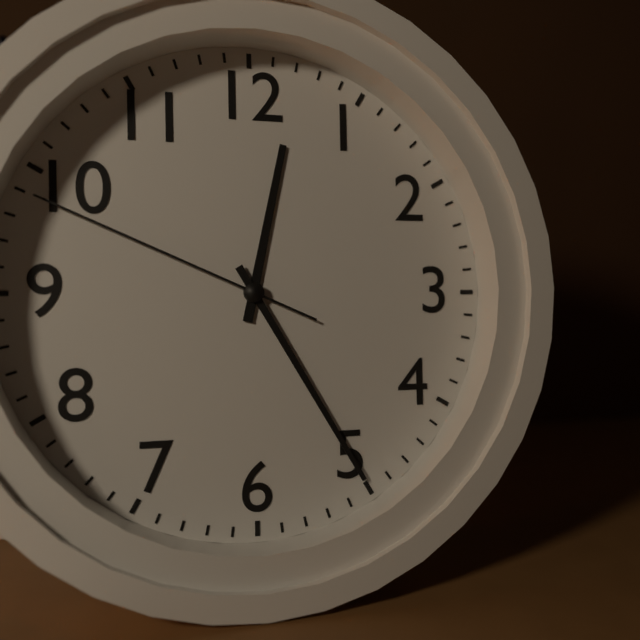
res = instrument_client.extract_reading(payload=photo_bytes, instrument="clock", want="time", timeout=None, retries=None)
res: 12:25:49
